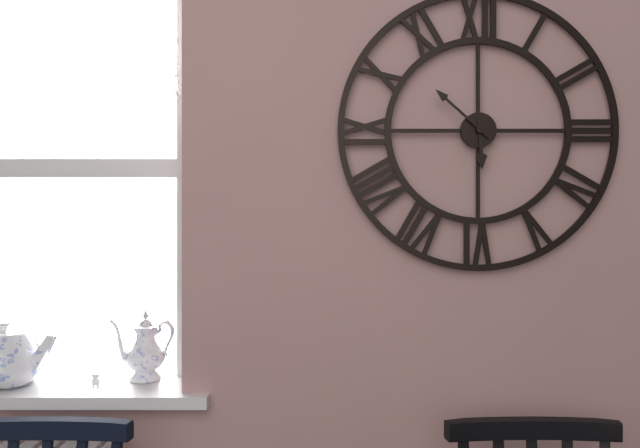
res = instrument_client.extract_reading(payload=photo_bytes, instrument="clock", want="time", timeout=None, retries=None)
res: 5:52
